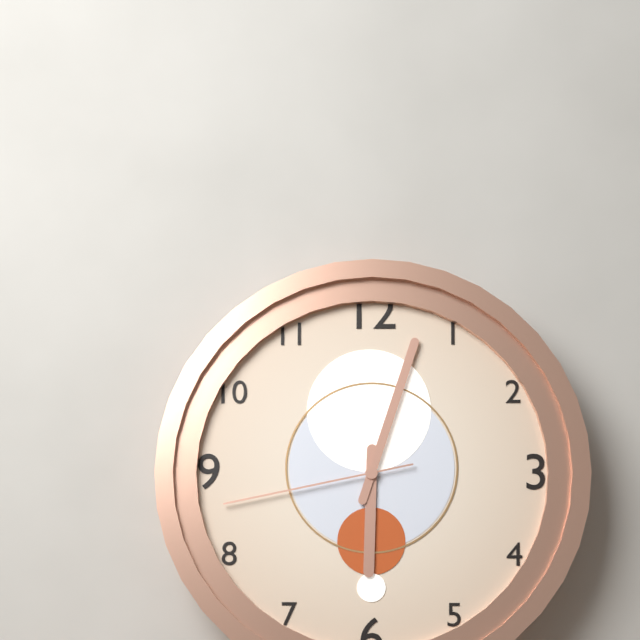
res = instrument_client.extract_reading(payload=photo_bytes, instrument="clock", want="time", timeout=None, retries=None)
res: 6:03:43
